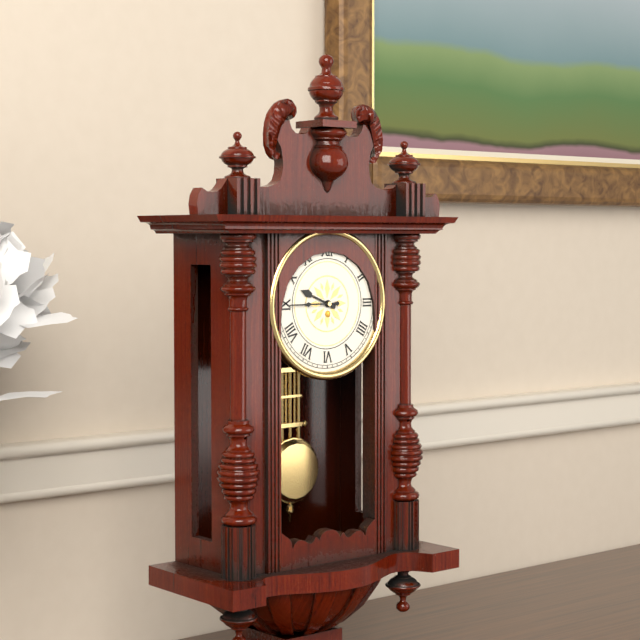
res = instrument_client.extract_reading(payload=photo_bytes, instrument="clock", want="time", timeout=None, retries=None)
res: 9:45
